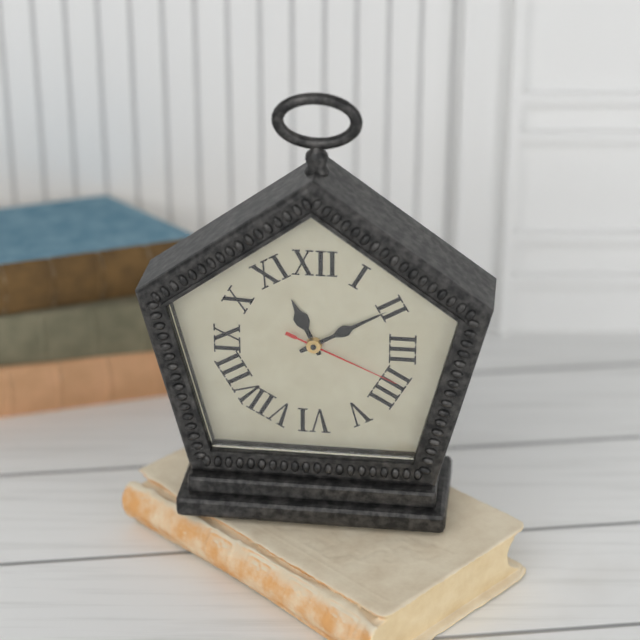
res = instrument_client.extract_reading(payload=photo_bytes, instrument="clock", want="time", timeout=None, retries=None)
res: 11:10:19
